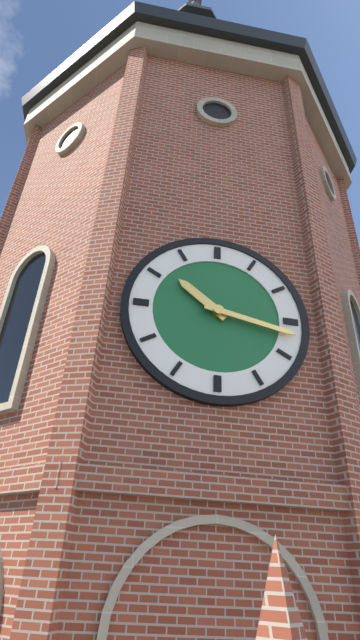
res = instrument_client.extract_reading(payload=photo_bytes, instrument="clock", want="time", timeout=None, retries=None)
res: 10:17
